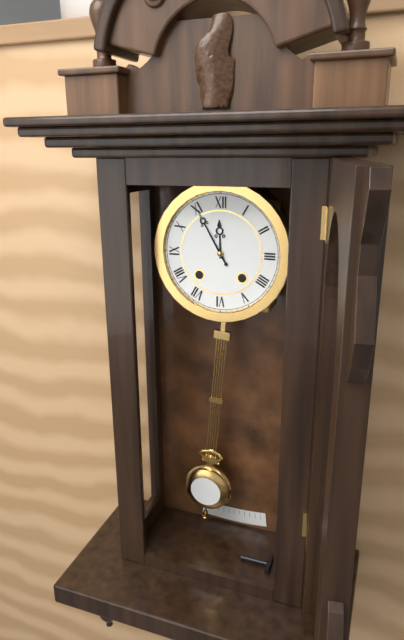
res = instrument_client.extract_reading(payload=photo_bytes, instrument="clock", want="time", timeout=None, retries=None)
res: 11:55
